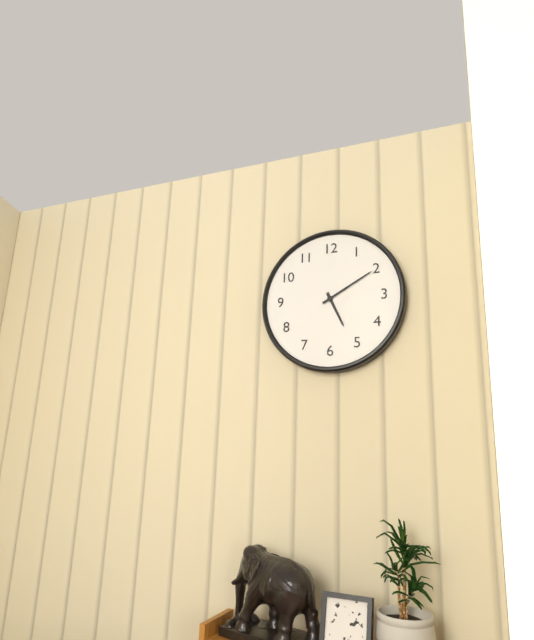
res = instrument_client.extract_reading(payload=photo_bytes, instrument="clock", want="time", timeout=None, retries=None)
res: 5:10
